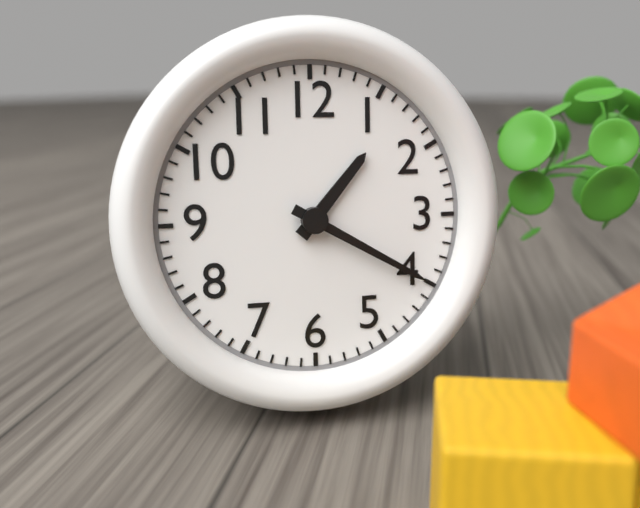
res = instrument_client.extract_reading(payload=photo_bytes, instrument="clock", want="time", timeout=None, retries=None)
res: 1:20
